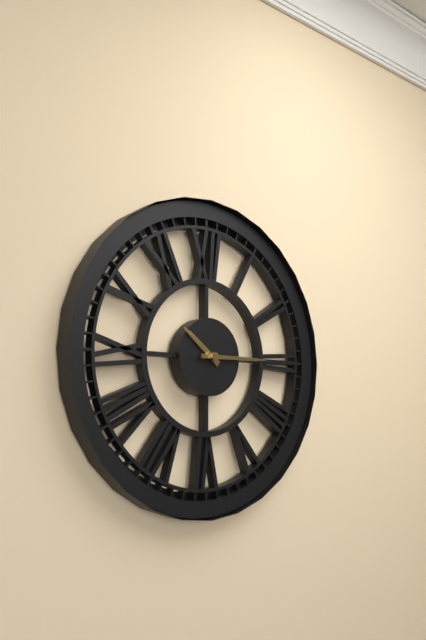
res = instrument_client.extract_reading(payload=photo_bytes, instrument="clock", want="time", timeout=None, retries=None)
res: 10:15
